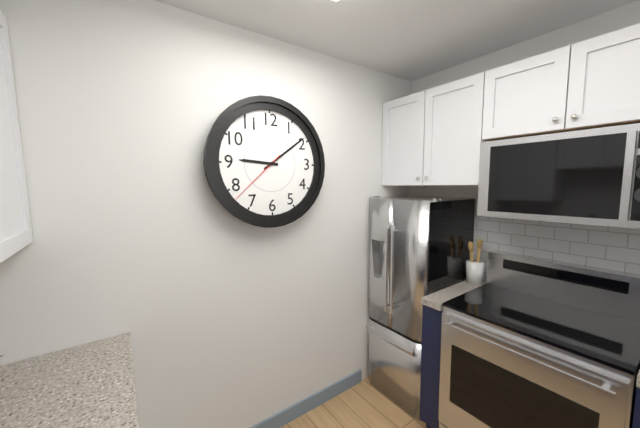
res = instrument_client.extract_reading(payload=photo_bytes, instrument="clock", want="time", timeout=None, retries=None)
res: 9:09:38
